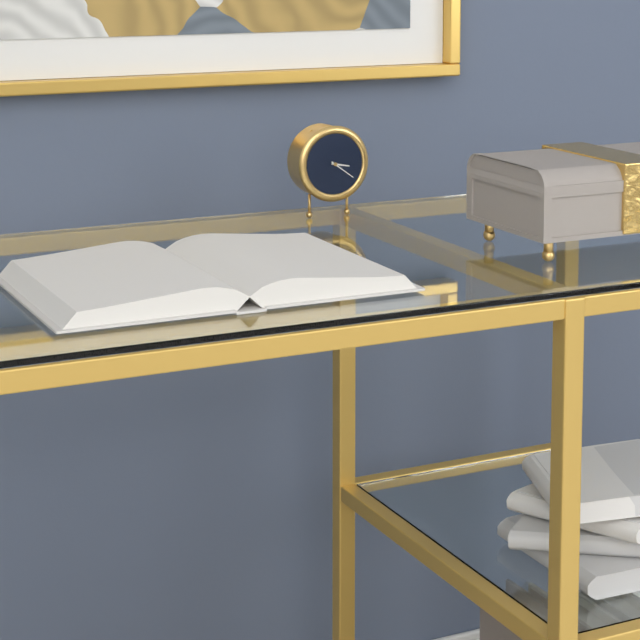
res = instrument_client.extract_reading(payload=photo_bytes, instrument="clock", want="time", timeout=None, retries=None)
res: 3:21
